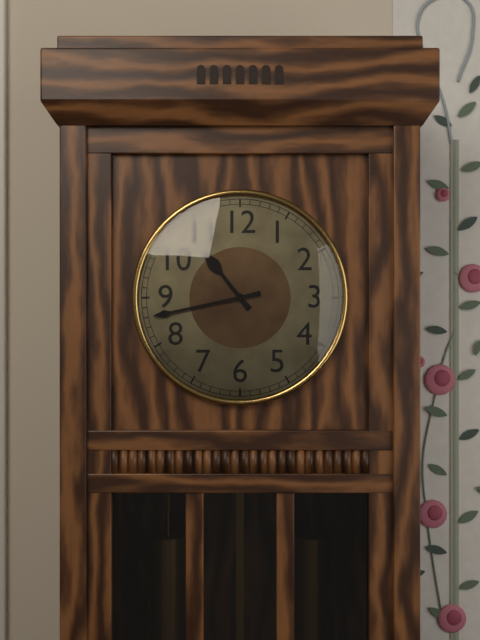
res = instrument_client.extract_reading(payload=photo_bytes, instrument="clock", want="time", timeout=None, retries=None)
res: 10:43
